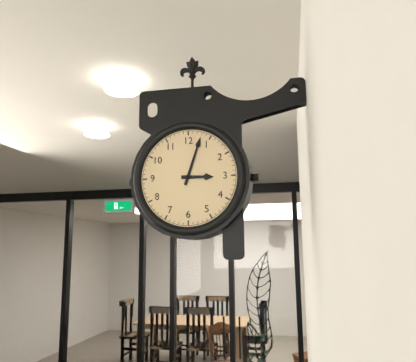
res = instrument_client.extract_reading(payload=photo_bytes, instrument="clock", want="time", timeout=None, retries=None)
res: 3:03
